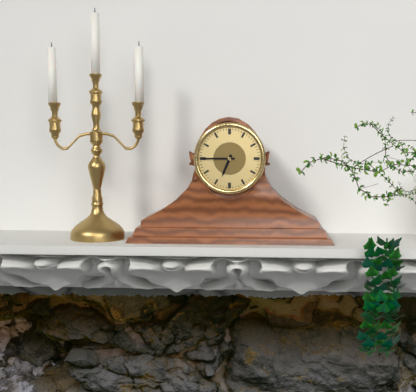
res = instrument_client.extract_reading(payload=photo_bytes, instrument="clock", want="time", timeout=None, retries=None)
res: 6:45
